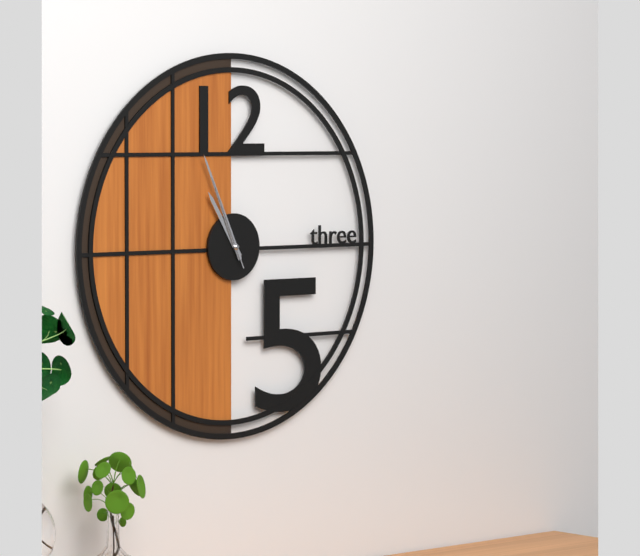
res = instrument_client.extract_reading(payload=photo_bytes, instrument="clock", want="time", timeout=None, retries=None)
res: 10:56:56
